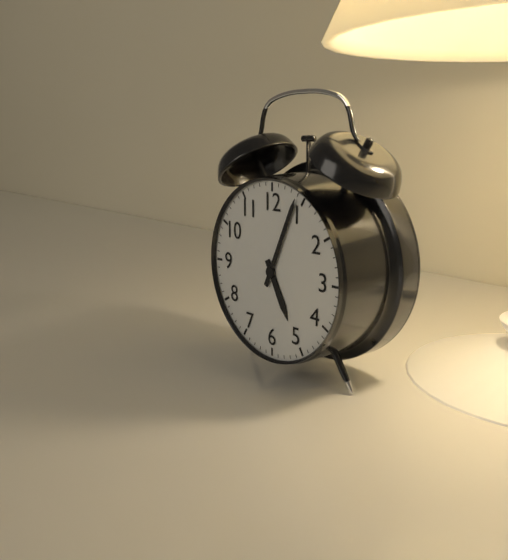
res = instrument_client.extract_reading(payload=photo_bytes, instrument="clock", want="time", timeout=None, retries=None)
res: 5:04
